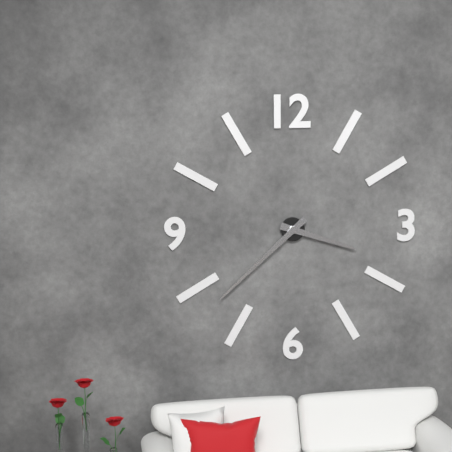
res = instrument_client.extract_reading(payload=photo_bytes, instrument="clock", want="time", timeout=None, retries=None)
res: 3:38
